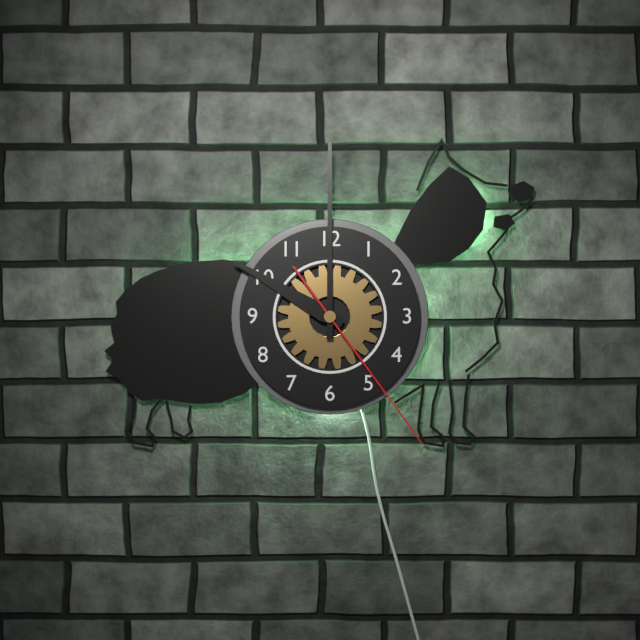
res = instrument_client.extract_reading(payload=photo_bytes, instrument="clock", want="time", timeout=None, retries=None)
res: 10:00:24
